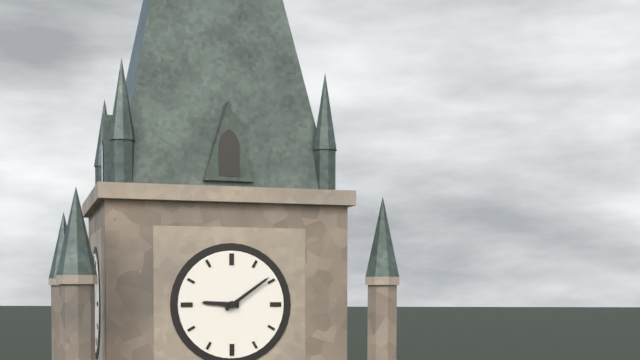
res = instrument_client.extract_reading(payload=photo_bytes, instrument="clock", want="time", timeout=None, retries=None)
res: 9:09
